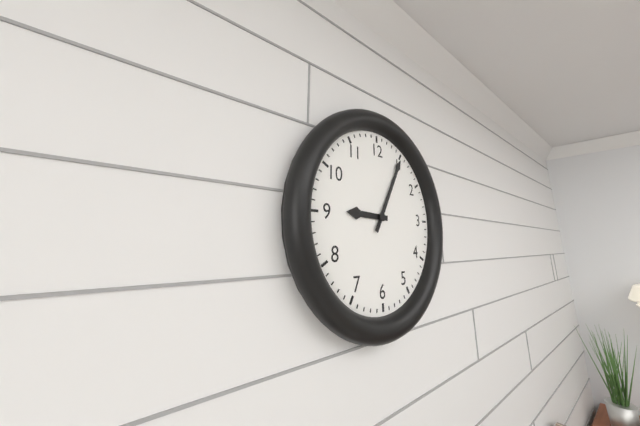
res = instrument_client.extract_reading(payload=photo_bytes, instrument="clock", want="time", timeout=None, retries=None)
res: 9:05
